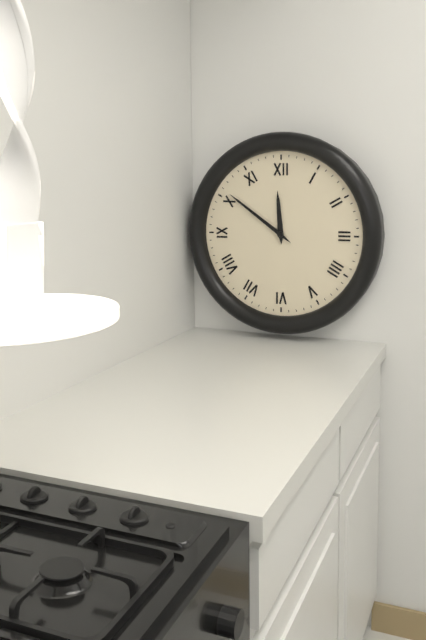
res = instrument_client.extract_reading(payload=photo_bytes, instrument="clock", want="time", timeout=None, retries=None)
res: 11:51
